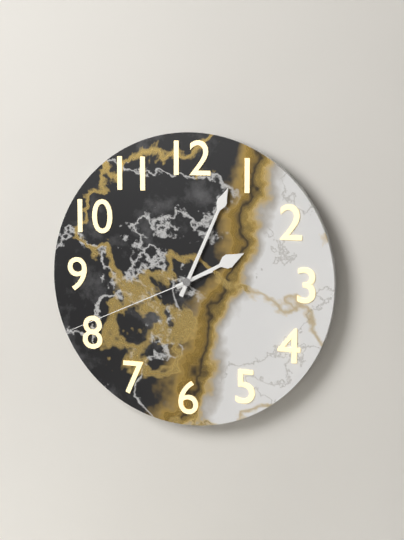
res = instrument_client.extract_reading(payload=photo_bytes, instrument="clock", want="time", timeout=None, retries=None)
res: 2:04:41
